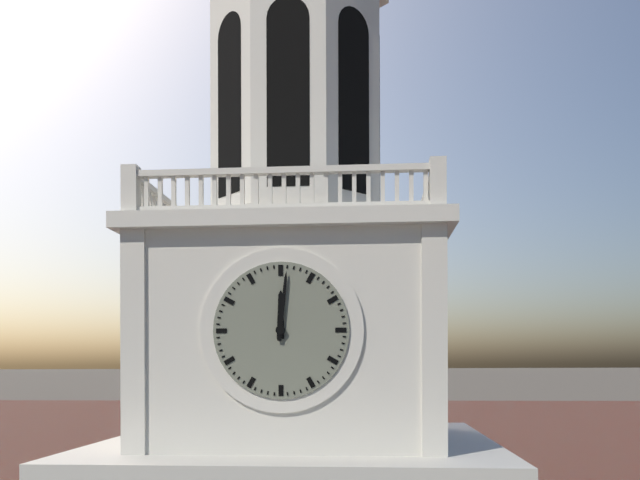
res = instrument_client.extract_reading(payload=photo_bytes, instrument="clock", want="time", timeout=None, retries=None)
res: 12:01
